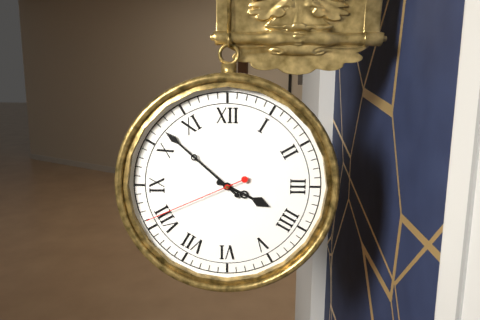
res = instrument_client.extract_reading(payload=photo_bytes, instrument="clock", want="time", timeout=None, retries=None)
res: 3:52:41
